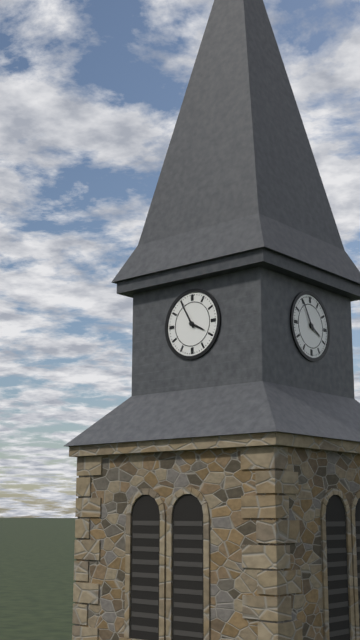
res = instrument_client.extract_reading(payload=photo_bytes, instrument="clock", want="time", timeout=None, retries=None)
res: 3:55
